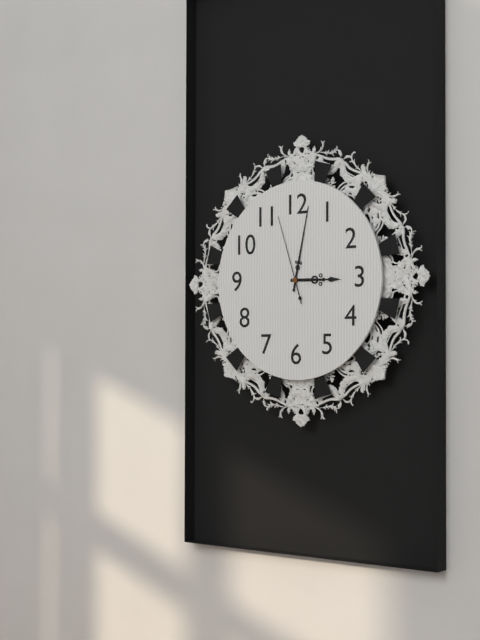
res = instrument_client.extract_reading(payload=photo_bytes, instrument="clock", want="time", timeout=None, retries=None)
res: 3:02:57
